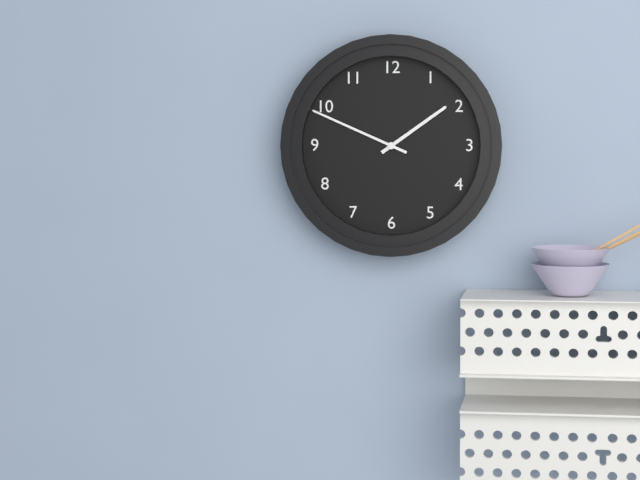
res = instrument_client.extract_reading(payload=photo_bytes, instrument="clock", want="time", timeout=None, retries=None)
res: 1:49
